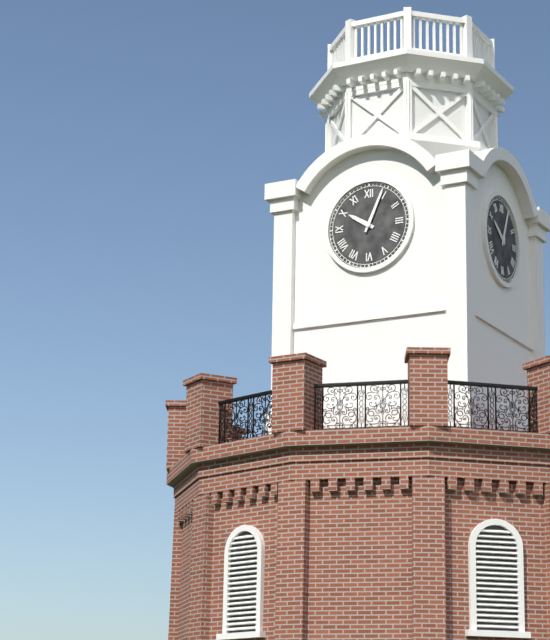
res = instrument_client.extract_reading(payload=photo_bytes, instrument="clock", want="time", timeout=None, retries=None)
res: 10:04
